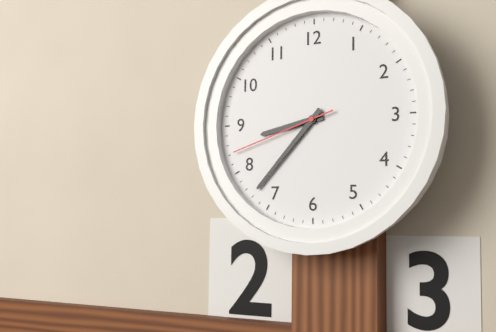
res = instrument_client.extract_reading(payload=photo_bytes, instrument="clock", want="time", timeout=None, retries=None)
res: 8:37:42
